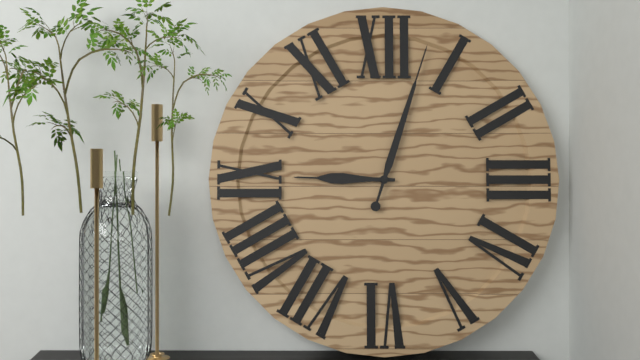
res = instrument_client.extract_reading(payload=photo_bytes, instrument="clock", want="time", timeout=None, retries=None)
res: 9:03
